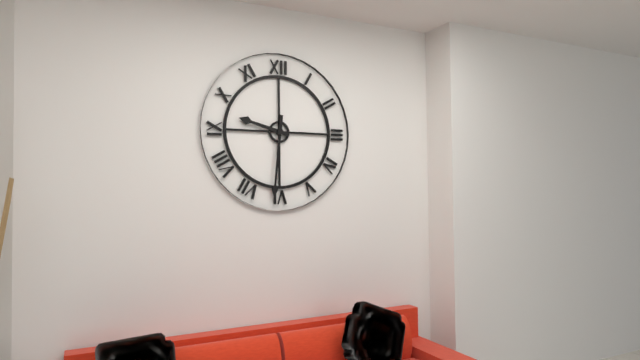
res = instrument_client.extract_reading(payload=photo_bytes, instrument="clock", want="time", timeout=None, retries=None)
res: 9:31
